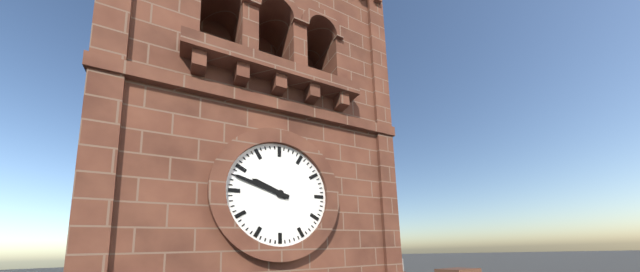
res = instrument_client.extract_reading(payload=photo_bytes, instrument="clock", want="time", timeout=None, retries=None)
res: 9:48
